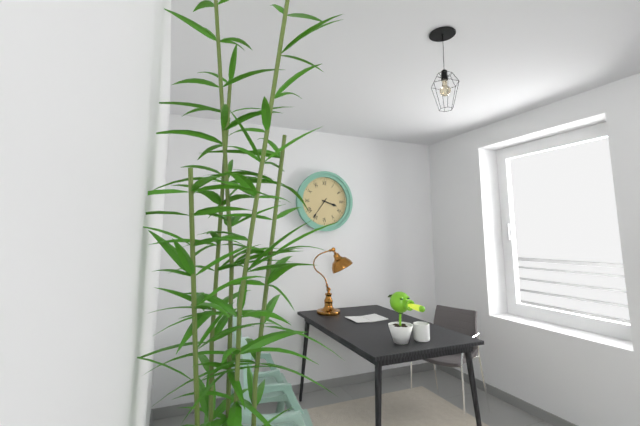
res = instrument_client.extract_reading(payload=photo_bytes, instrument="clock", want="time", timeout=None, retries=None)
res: 3:36
